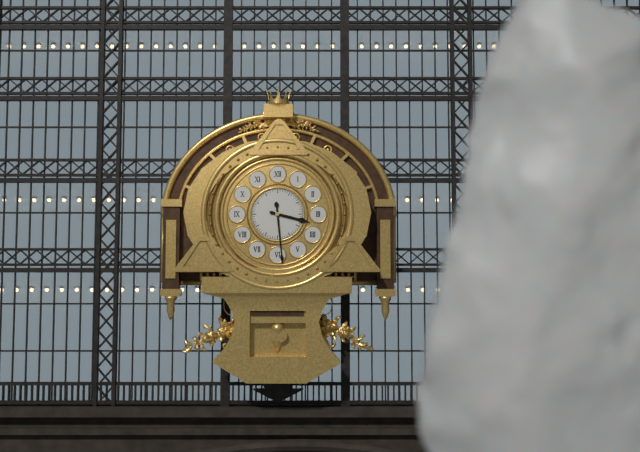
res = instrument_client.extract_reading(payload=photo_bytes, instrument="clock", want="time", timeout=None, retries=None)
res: 3:29
